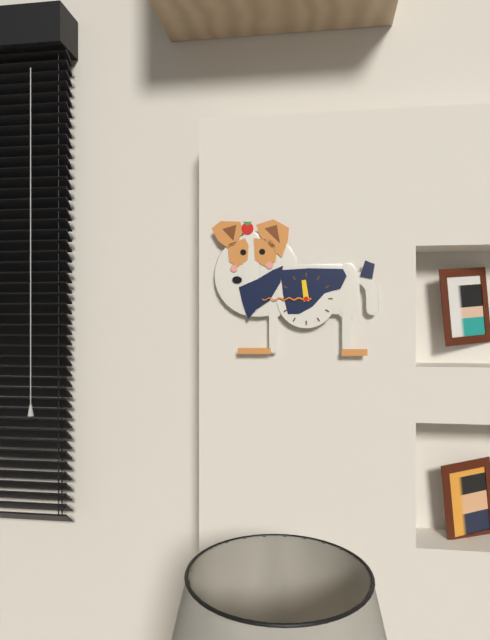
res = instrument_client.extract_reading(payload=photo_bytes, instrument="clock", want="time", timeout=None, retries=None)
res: 11:45
